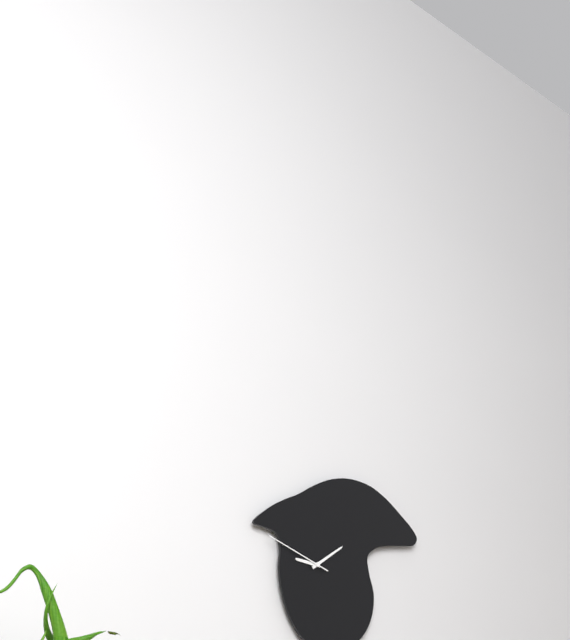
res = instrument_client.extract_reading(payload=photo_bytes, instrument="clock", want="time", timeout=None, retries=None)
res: 9:09:48
